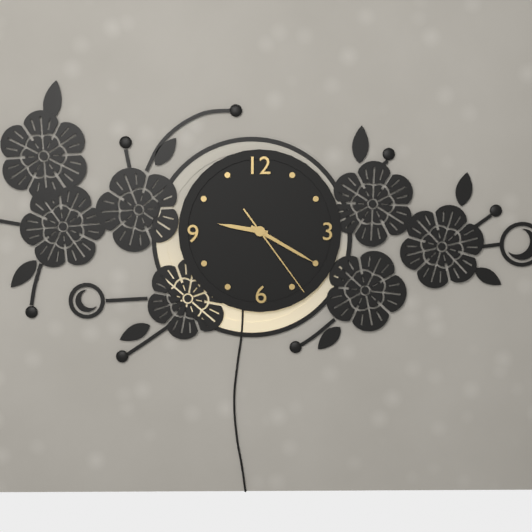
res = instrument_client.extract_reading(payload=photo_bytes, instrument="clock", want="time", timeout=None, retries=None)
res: 9:20:24
